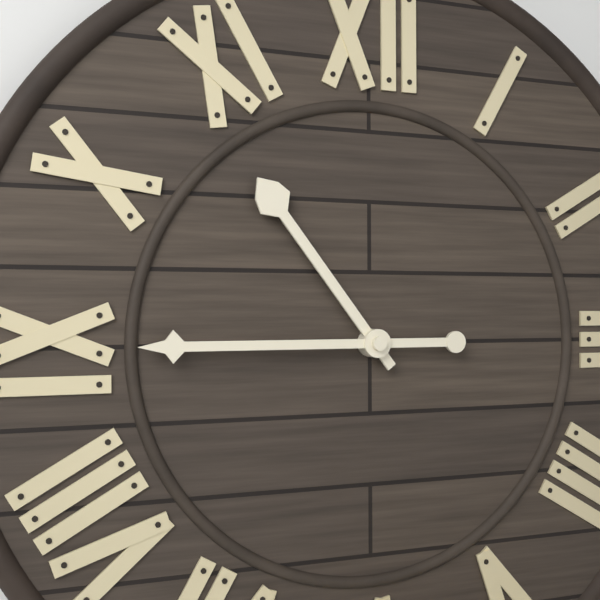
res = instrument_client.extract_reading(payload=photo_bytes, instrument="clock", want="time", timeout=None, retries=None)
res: 10:45
